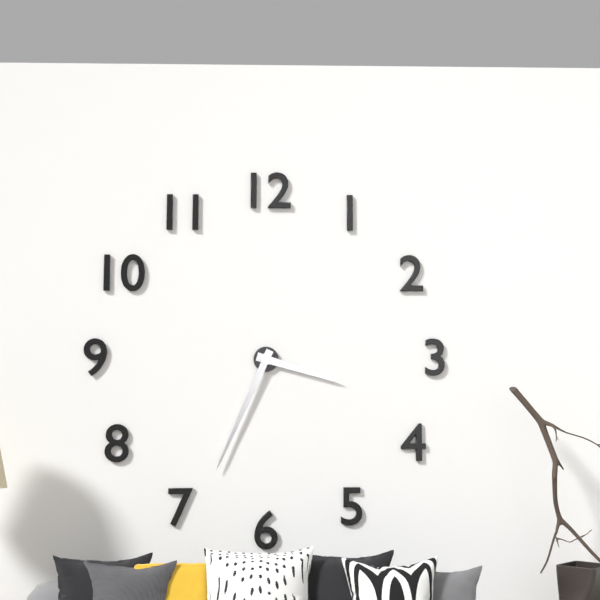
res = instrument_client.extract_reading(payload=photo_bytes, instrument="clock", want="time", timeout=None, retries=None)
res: 3:34
